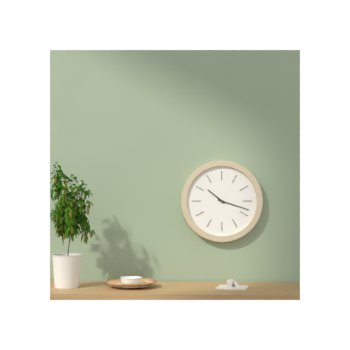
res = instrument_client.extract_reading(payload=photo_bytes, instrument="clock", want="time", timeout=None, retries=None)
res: 10:18
